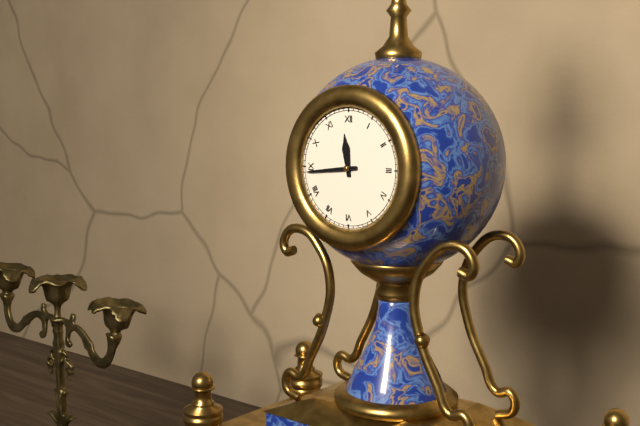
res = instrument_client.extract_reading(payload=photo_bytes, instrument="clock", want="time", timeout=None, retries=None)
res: 11:44
